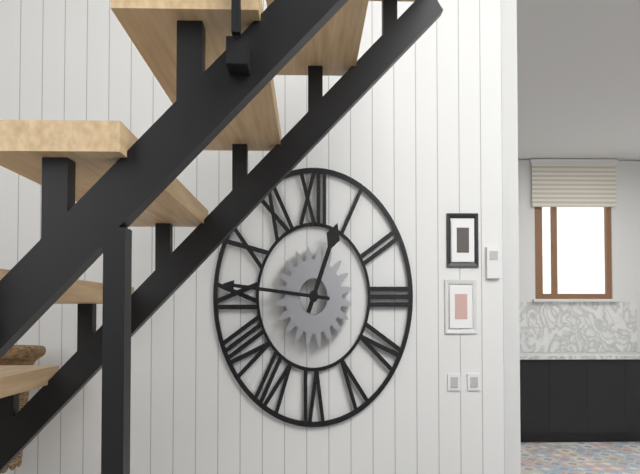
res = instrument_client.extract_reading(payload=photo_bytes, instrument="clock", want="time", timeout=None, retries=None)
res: 12:46
